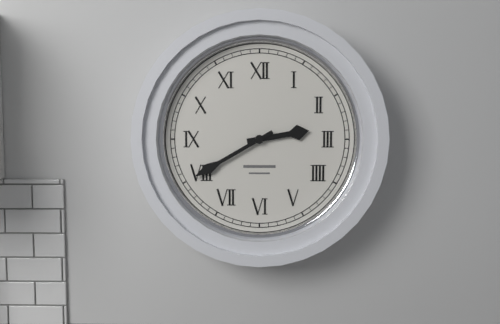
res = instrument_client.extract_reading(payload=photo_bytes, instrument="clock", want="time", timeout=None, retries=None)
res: 2:40
